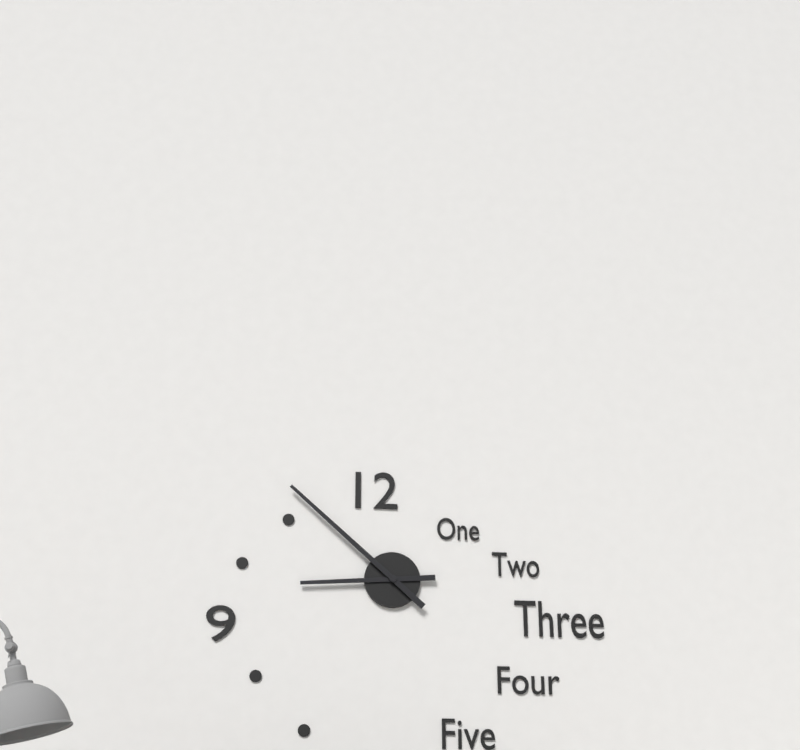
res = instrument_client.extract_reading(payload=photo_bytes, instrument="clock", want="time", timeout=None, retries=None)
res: 8:52
